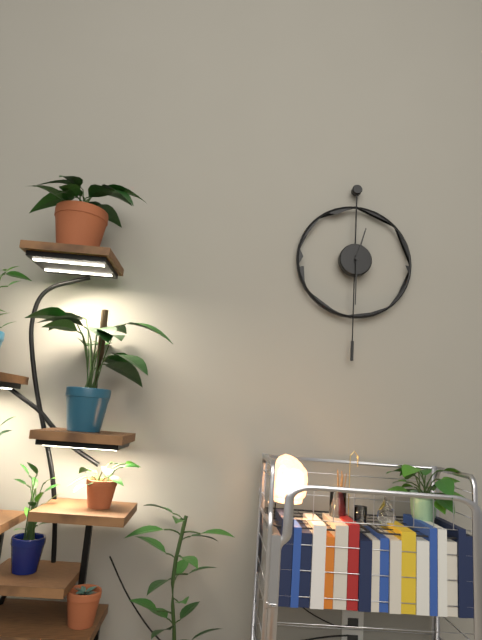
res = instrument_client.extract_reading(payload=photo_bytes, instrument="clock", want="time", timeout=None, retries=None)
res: 12:30
